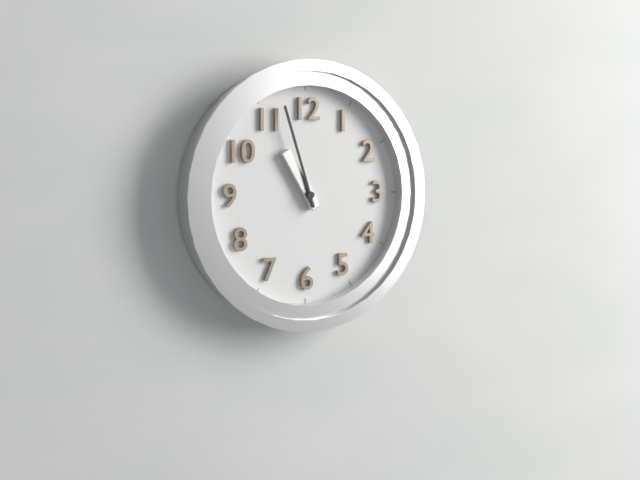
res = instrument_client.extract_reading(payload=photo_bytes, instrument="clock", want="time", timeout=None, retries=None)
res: 10:57
